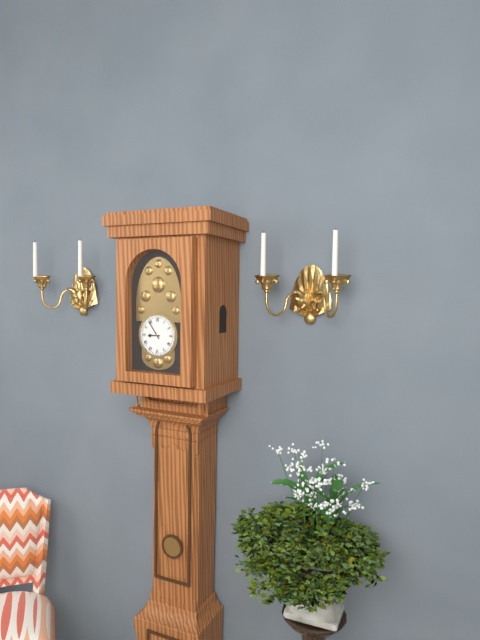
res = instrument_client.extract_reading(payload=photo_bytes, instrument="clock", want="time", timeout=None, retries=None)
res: 8:54
